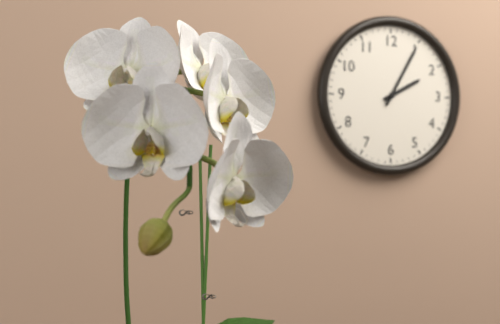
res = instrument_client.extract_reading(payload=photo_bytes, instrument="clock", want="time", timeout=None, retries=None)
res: 2:05
